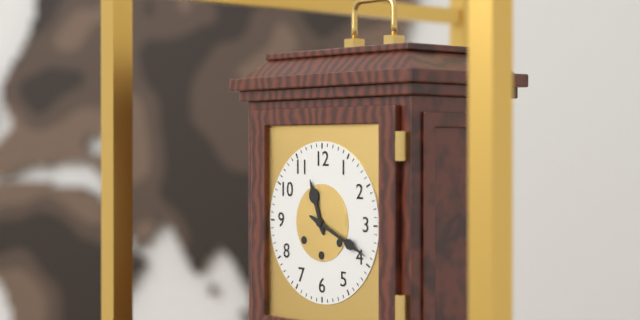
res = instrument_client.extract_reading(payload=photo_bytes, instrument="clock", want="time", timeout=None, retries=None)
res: 11:19
